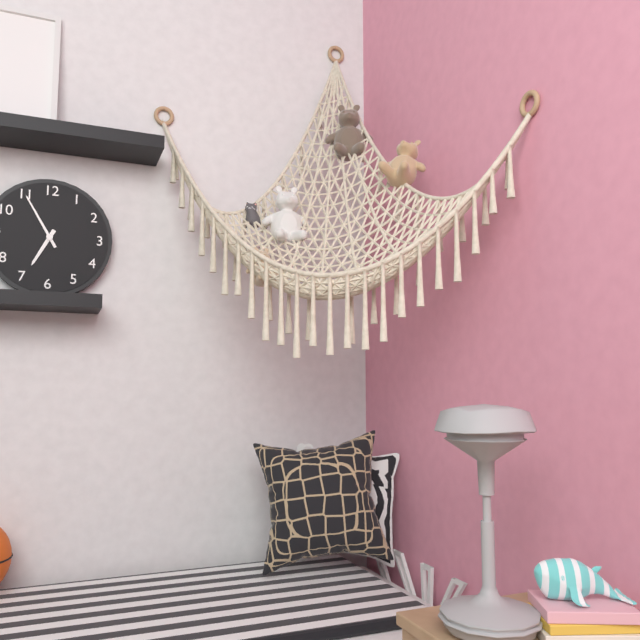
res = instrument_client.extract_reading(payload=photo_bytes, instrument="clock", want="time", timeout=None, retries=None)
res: 6:55
